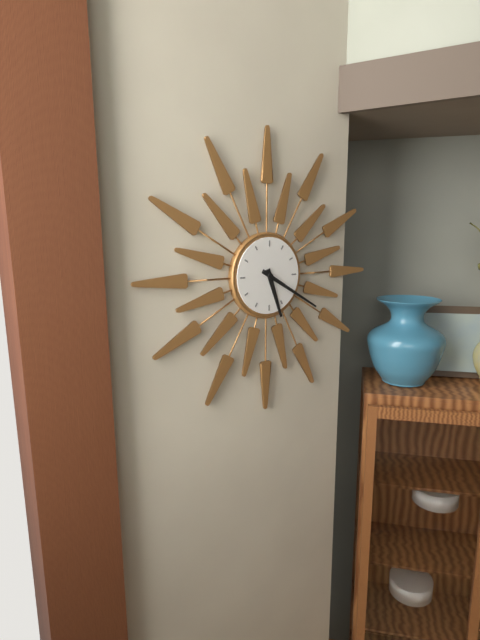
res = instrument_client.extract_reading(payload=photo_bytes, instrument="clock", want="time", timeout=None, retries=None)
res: 5:20
